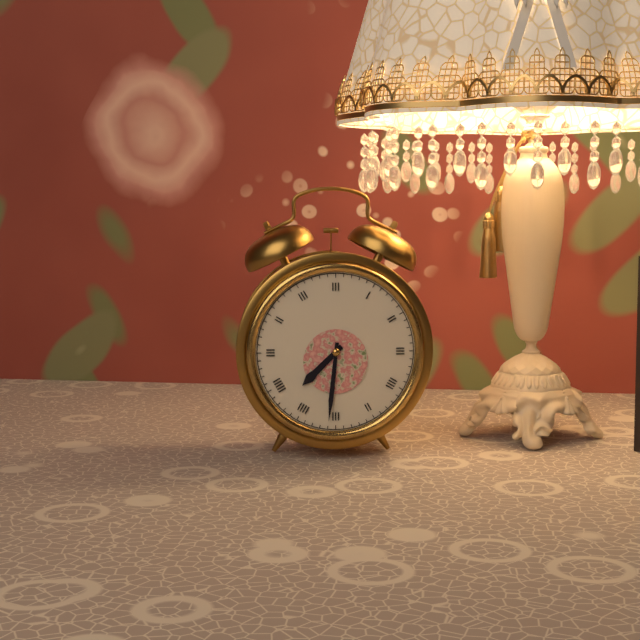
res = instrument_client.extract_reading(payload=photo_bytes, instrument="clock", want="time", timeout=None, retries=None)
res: 7:31
